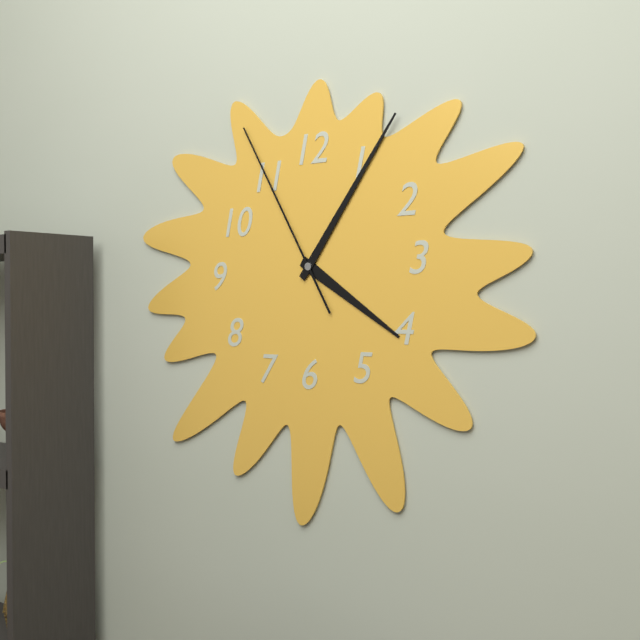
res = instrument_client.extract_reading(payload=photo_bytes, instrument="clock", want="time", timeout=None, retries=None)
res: 4:06:55
